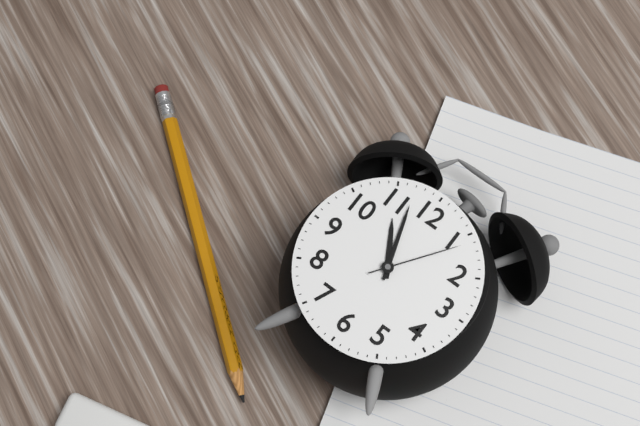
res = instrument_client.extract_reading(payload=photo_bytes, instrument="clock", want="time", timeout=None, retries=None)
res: 10:57:06
